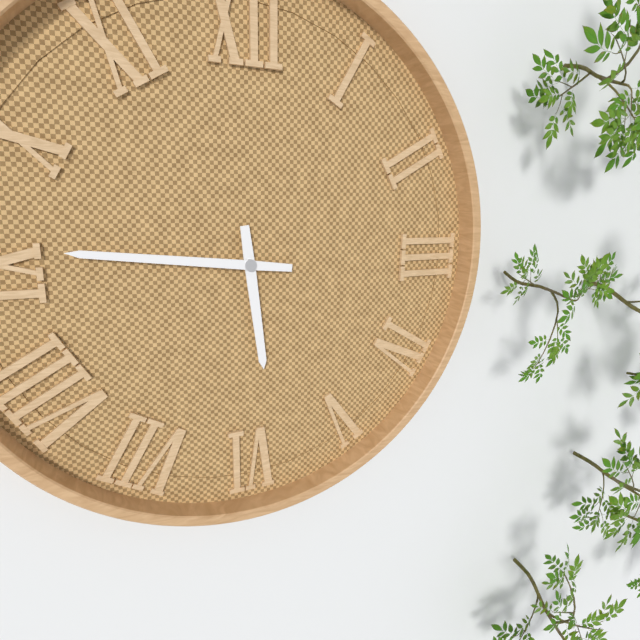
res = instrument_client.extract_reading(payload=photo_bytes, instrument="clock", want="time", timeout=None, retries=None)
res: 5:46
